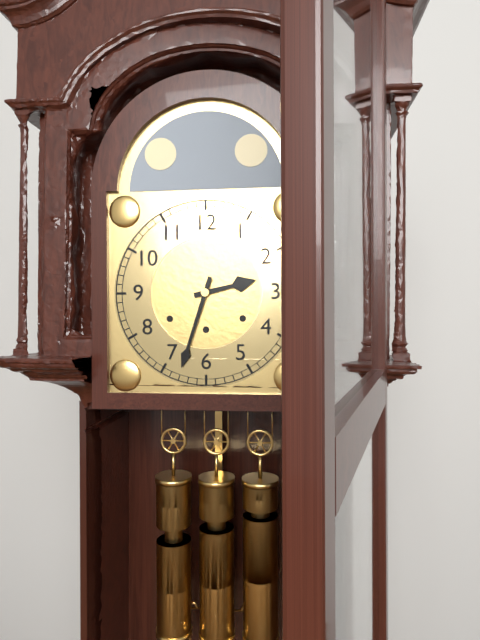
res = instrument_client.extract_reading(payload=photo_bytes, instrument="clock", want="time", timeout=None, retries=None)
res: 2:33
